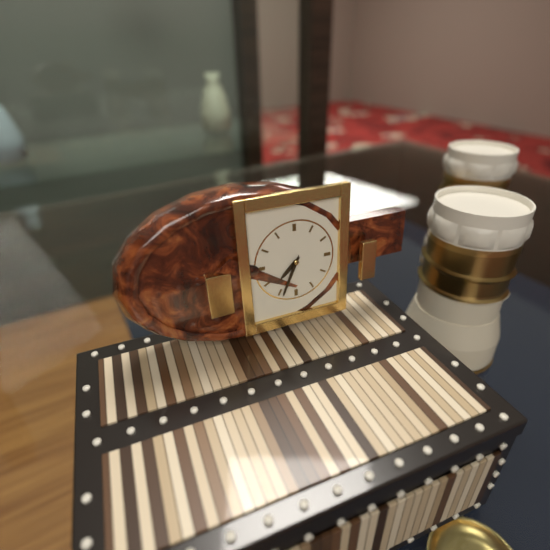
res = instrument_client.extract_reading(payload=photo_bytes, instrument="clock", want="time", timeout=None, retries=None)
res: 7:34
